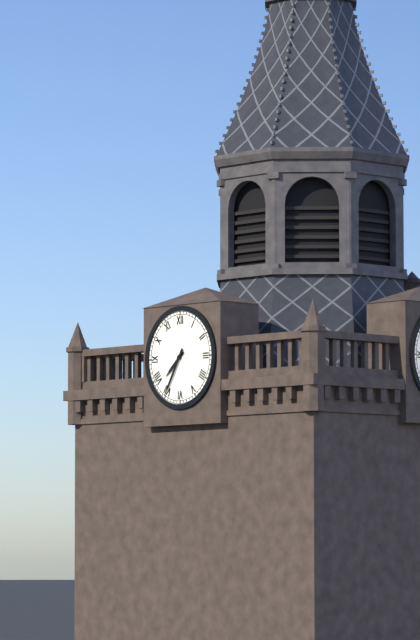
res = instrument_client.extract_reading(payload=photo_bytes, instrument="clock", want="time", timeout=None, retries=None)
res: 7:35
